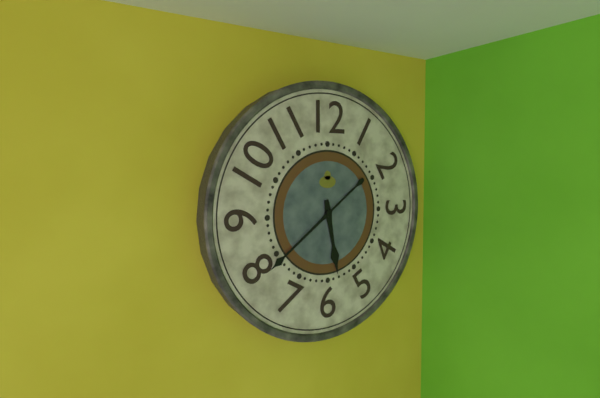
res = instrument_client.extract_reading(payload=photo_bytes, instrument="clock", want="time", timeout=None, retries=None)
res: 5:39
